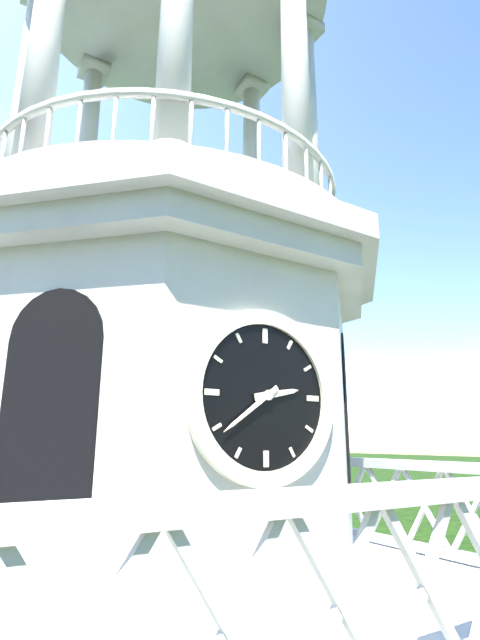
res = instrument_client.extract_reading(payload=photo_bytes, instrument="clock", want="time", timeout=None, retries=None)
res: 2:39
